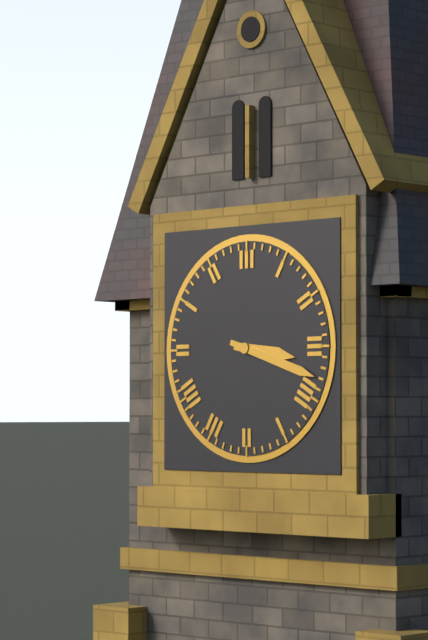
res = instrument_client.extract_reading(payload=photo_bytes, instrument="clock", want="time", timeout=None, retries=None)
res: 3:18
